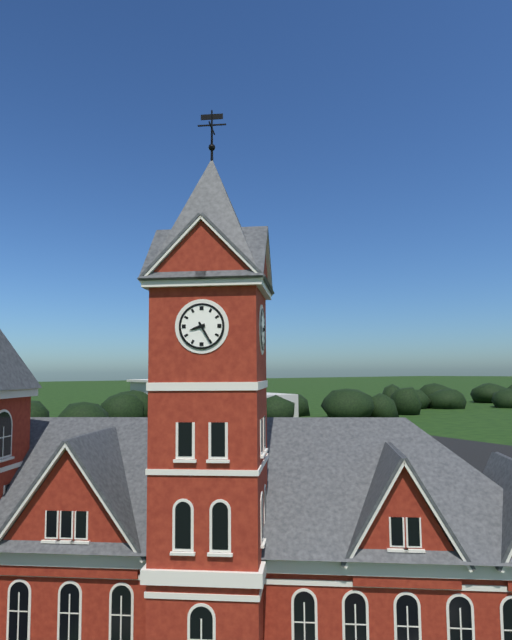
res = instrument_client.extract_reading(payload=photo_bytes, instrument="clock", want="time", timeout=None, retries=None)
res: 8:25
